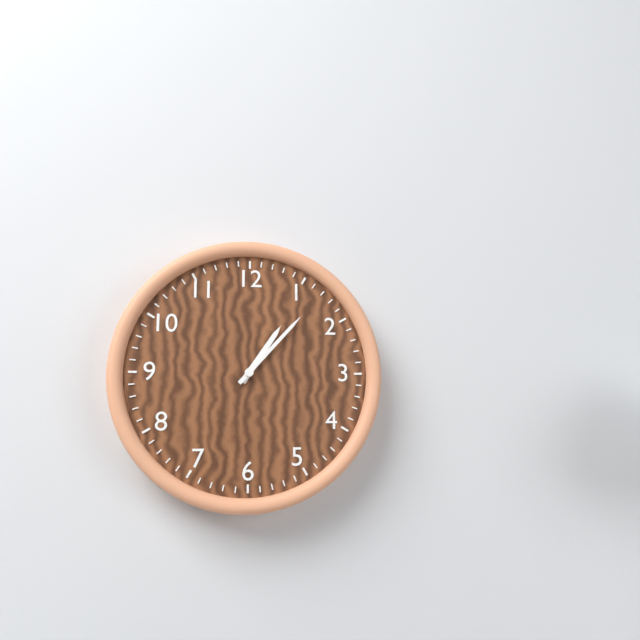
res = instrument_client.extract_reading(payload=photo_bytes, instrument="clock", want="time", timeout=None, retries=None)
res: 1:07
